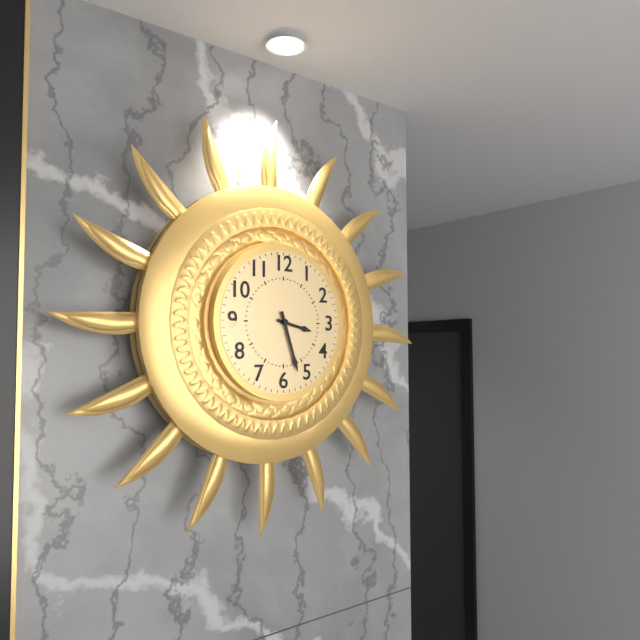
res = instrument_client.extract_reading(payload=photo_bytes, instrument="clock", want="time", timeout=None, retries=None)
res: 3:27
